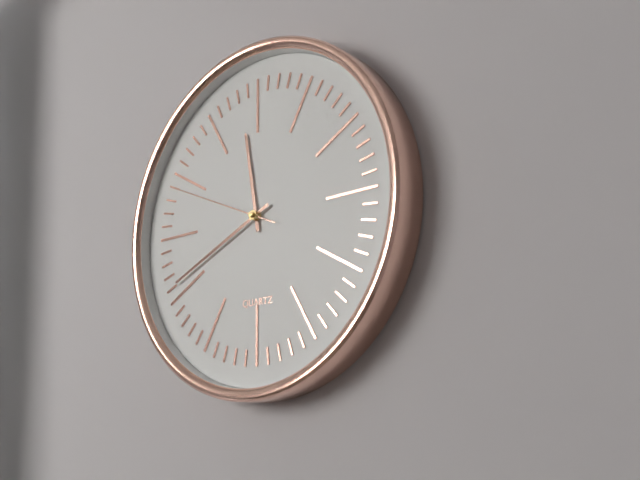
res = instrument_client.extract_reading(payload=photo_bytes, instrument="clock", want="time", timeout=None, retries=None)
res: 11:41:49
